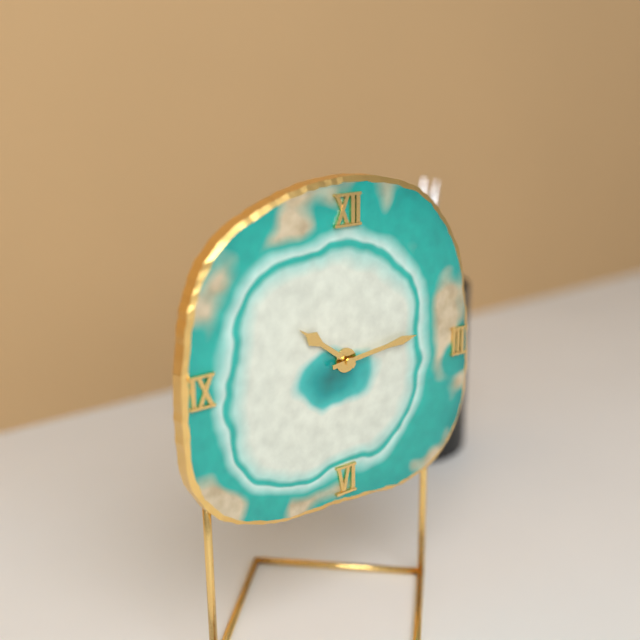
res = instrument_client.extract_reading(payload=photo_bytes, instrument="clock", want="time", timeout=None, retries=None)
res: 10:14
